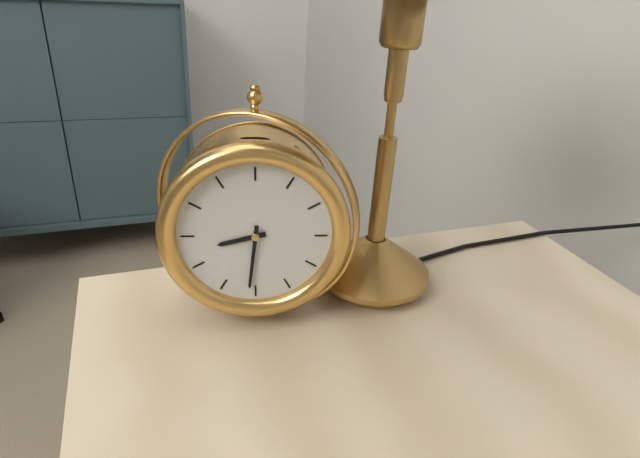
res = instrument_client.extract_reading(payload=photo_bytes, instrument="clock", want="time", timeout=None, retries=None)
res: 8:31
